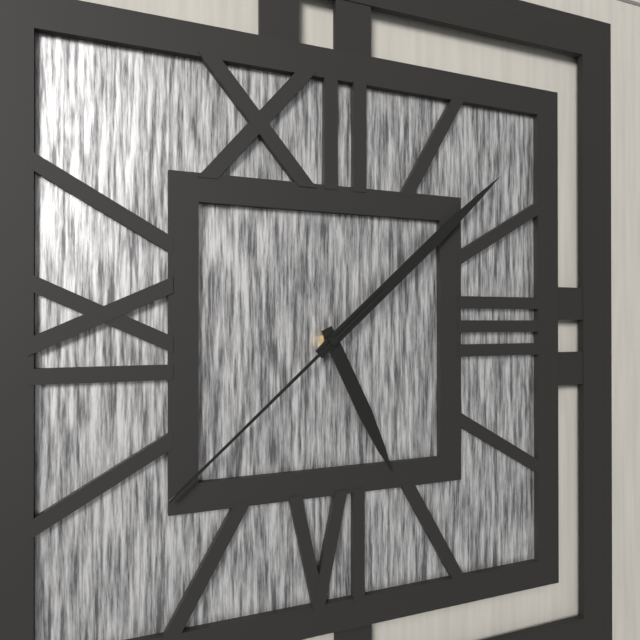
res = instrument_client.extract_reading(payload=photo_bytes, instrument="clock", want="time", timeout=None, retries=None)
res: 5:08:38
